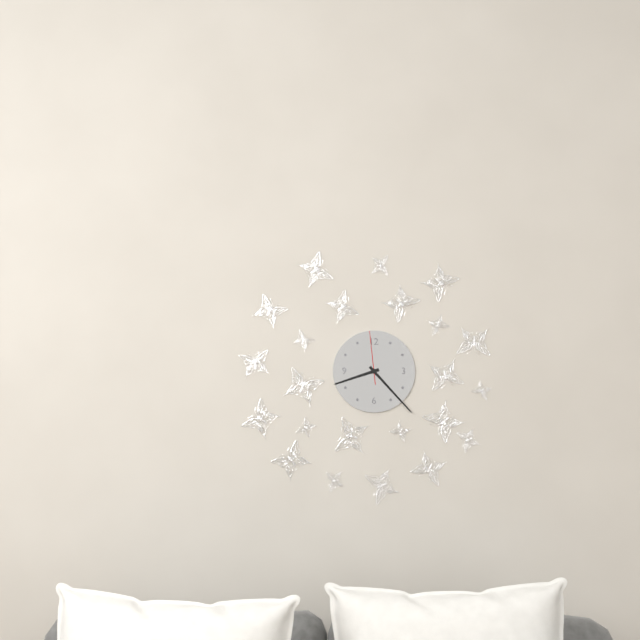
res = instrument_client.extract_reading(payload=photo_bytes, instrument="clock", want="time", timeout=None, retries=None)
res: 8:23:59
